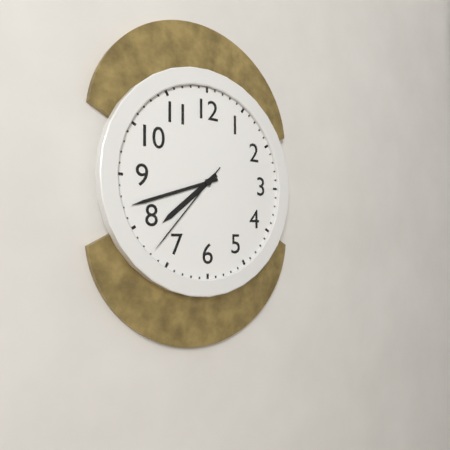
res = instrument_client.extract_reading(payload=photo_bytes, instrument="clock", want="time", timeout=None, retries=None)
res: 7:42:37
